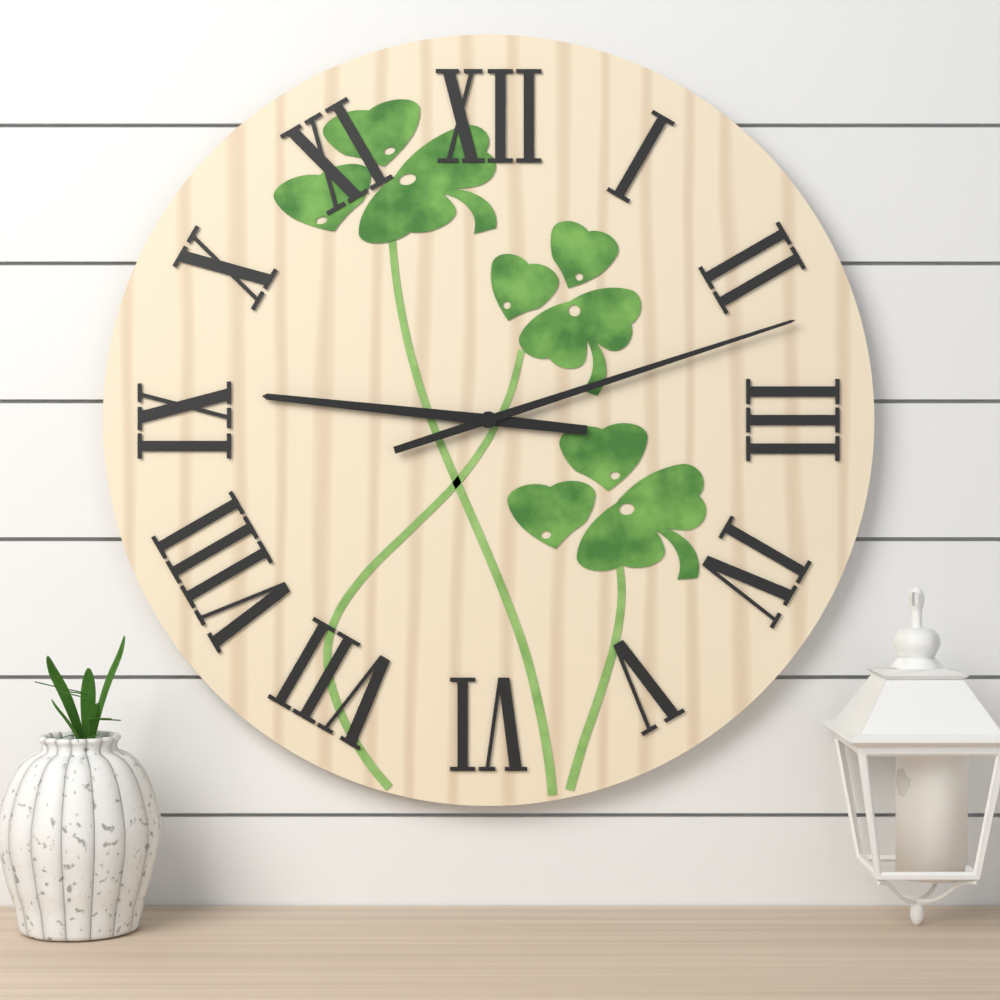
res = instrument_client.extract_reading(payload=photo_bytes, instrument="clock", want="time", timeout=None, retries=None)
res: 9:12
